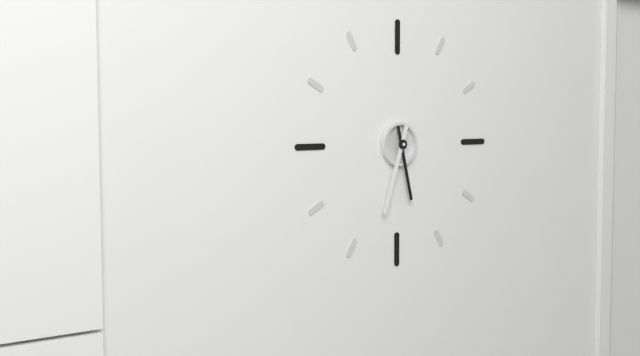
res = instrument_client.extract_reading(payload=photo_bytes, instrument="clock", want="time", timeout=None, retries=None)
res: 5:33
